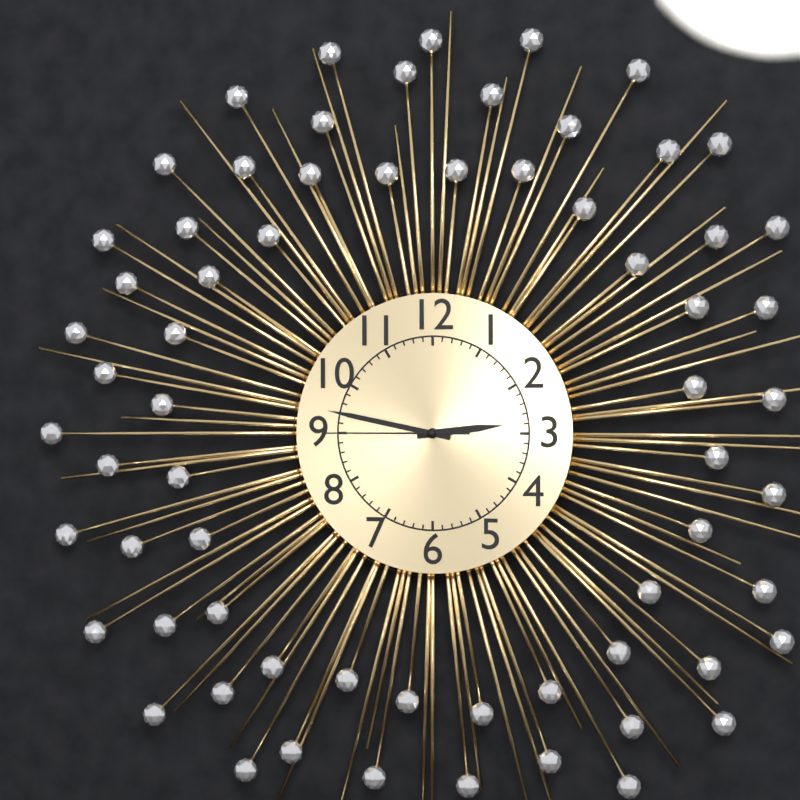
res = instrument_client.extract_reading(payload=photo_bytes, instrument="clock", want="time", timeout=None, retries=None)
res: 2:47:45
